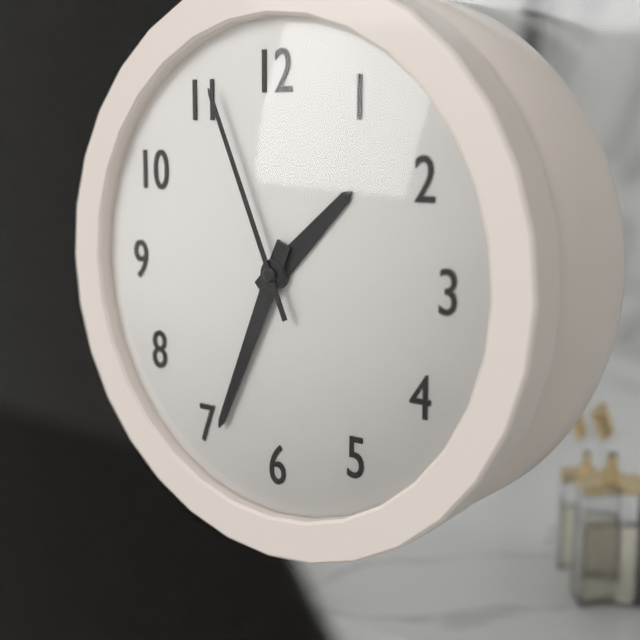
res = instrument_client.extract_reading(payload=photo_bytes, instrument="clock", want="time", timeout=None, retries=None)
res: 1:34:56
